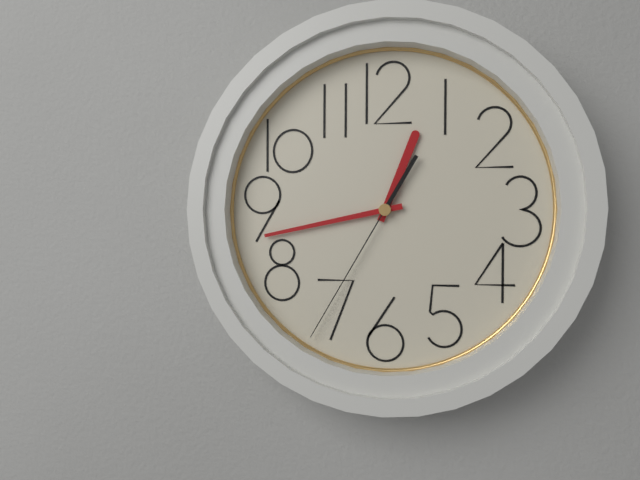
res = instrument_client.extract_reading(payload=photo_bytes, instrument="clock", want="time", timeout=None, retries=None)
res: 12:43:35
